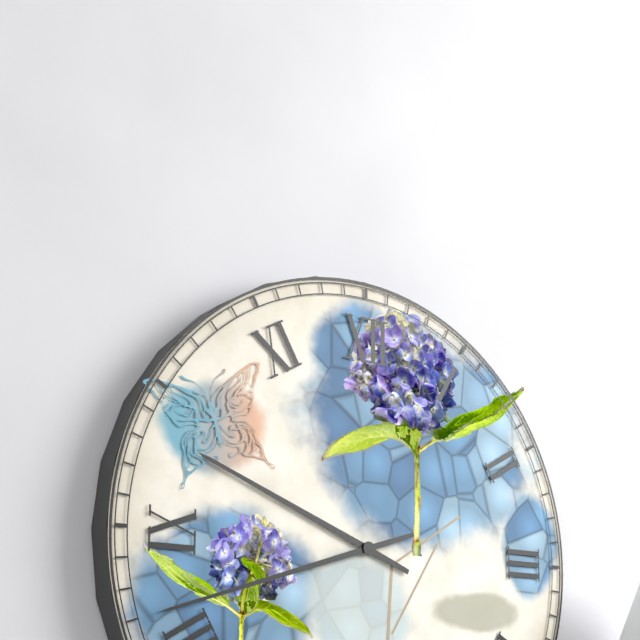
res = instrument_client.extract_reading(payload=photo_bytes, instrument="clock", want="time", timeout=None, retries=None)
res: 9:42
